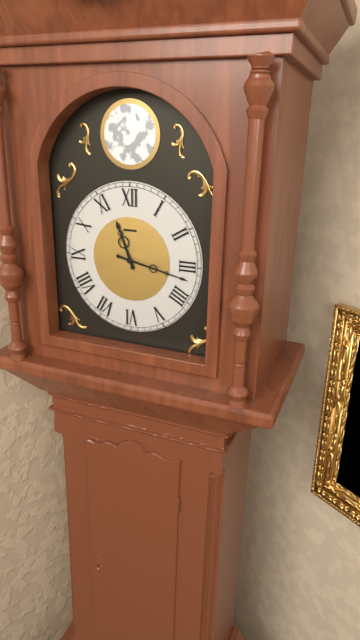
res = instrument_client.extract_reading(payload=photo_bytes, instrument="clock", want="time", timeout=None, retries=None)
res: 11:17
